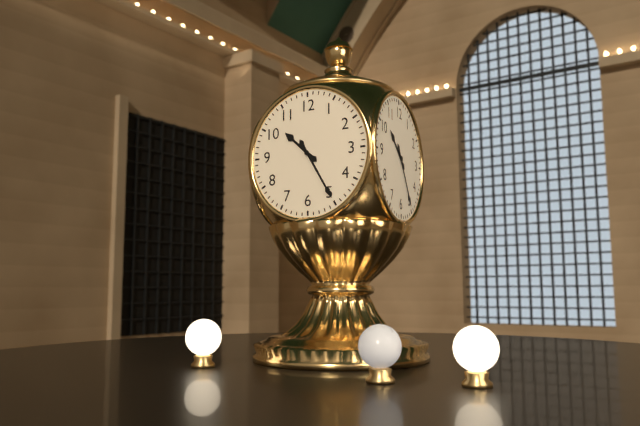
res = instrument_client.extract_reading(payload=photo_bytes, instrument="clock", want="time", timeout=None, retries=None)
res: 10:25
